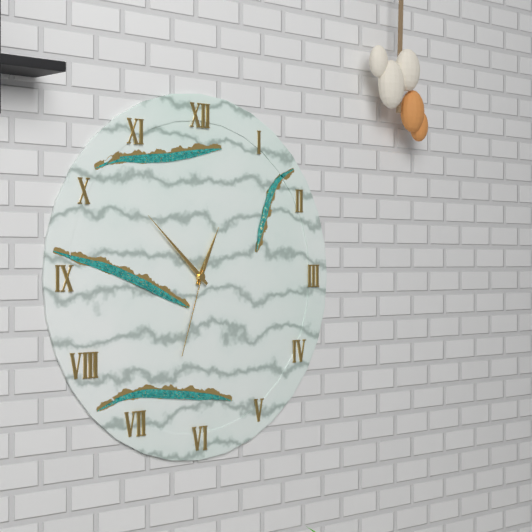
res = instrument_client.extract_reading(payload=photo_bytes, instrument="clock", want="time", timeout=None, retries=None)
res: 12:52:33
